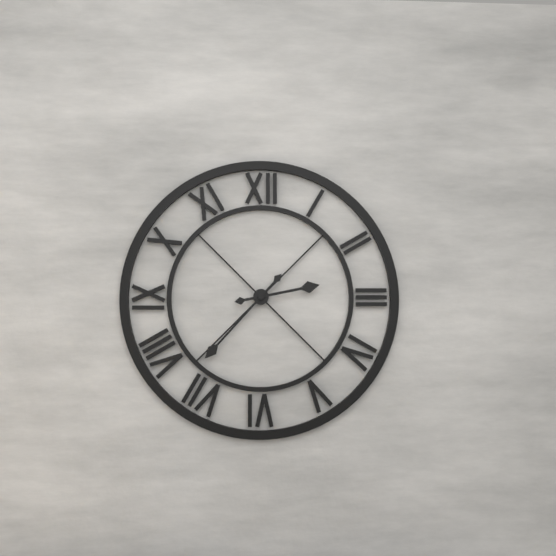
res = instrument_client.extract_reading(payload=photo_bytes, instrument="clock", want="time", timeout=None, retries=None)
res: 2:37
